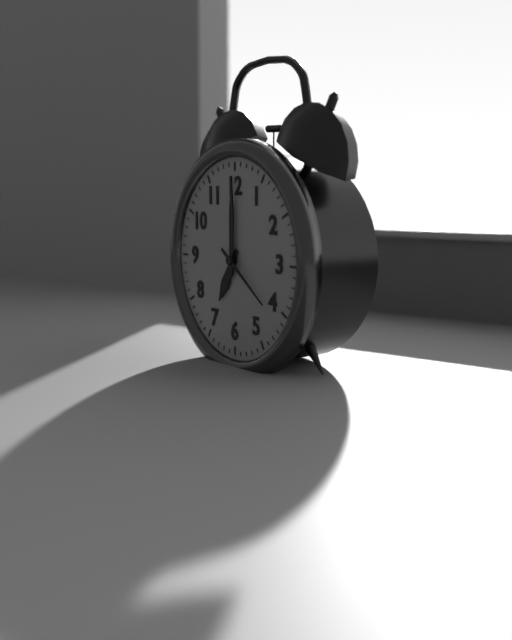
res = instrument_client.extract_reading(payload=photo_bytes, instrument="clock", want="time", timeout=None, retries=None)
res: 7:00:21
